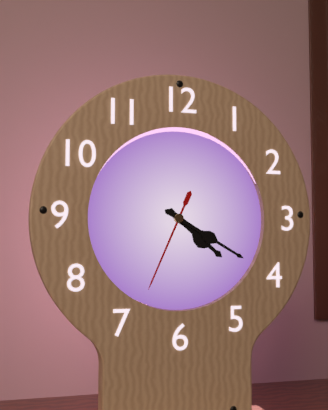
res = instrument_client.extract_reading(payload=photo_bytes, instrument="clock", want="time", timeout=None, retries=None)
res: 4:20:34
